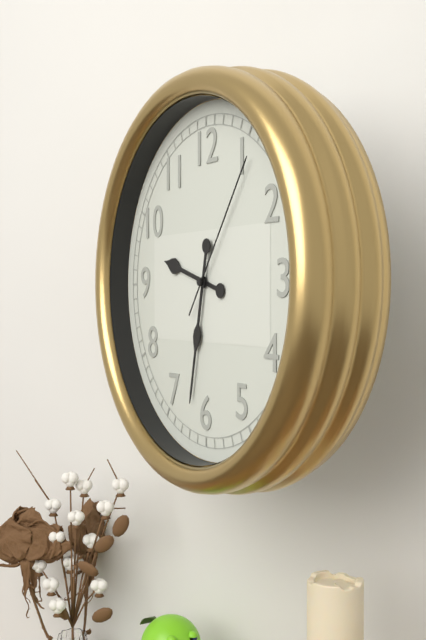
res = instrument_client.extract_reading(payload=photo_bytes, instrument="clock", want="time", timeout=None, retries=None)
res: 9:32:06
